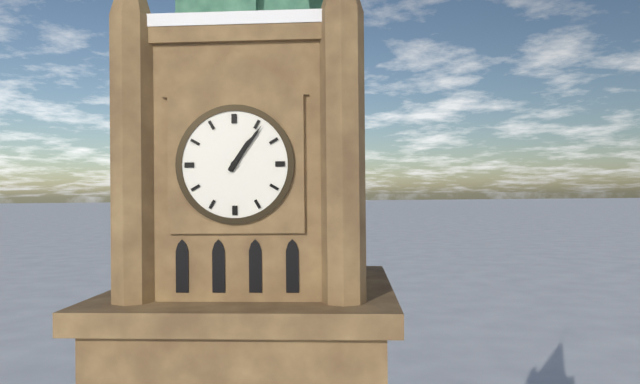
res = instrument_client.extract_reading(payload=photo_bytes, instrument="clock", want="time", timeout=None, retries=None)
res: 1:06
